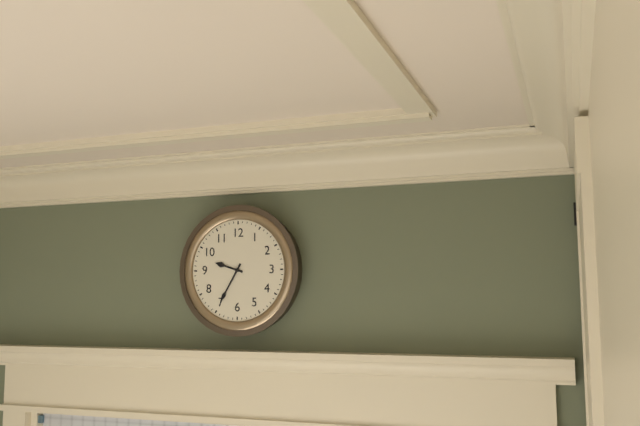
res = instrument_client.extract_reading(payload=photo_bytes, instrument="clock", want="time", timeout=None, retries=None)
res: 9:35
